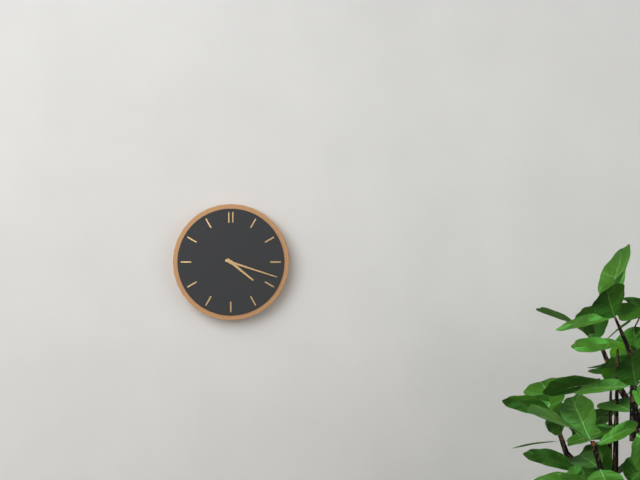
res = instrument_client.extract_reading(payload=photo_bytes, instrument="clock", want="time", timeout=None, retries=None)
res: 4:18
